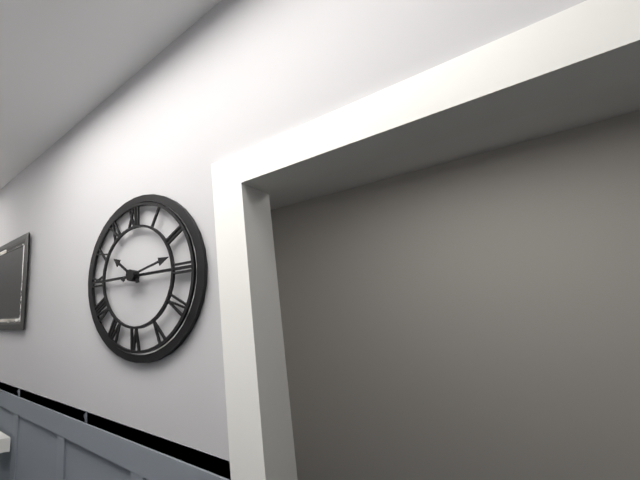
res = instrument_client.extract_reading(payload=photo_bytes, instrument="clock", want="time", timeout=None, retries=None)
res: 10:13
